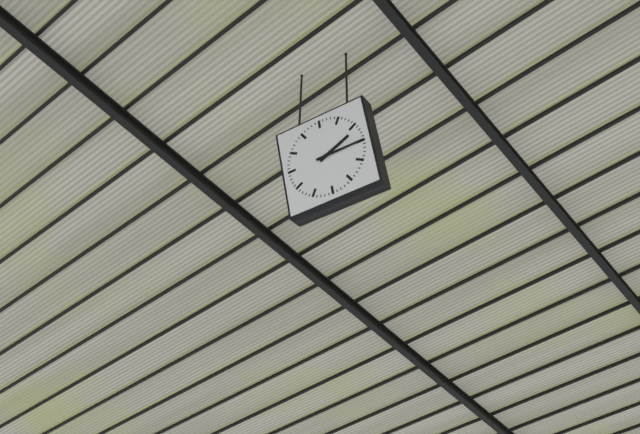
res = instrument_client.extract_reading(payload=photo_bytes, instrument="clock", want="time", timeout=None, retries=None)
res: 2:15
